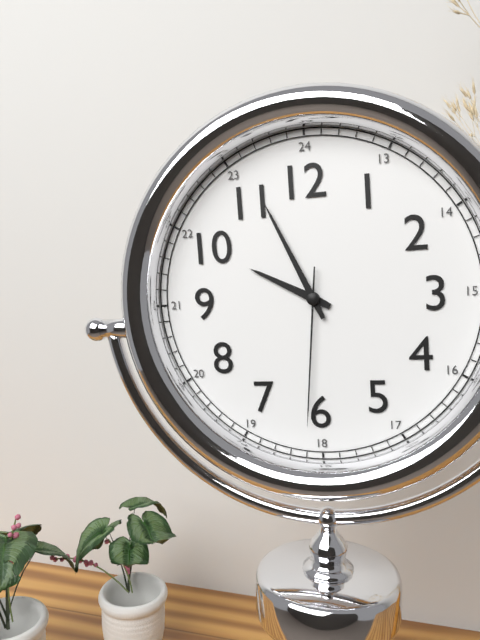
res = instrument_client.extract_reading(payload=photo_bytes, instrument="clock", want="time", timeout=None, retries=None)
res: 9:56:31
